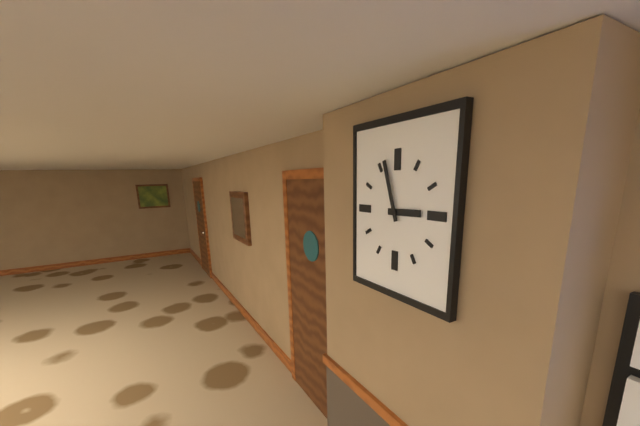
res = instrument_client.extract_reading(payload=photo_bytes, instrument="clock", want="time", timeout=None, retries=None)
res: 2:57
